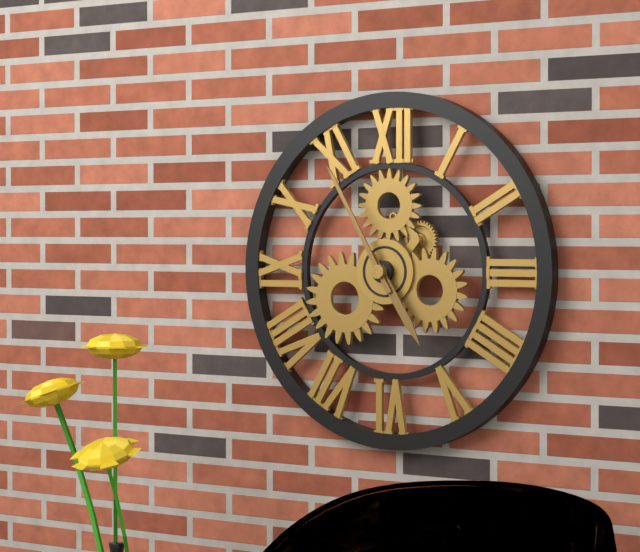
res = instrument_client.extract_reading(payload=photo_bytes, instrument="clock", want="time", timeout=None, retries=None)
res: 4:55
